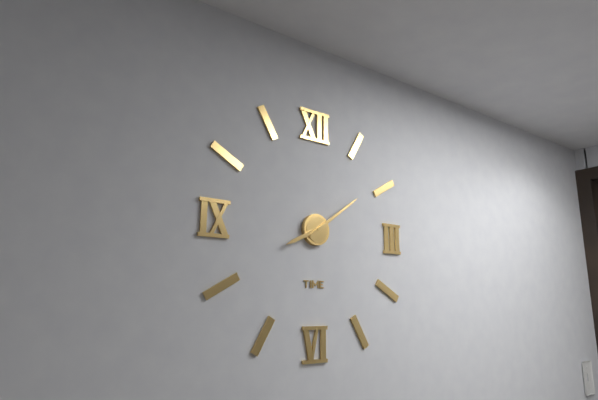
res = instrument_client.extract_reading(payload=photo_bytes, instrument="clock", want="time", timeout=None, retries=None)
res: 8:09
